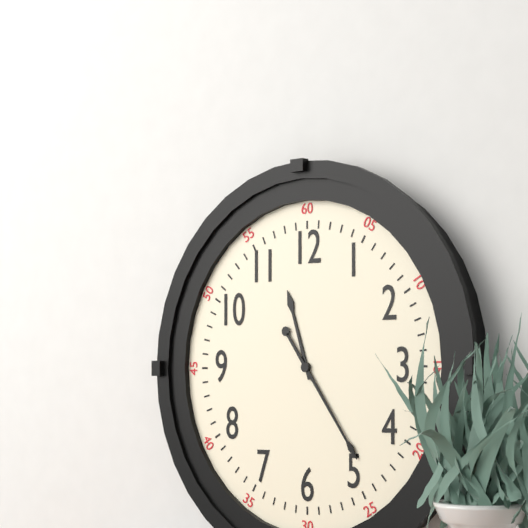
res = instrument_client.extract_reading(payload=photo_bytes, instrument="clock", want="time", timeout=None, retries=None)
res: 11:24
